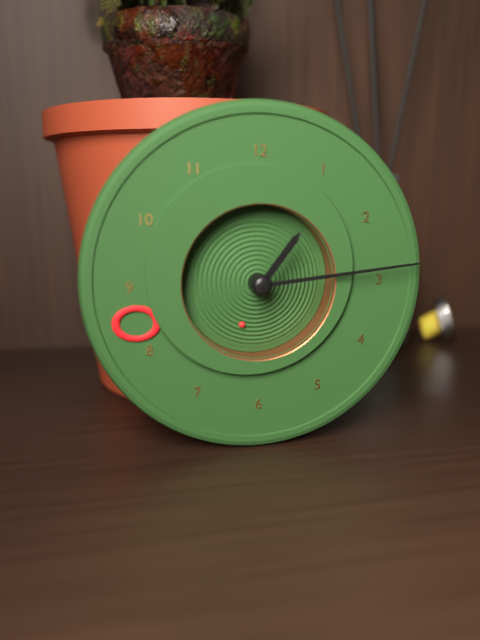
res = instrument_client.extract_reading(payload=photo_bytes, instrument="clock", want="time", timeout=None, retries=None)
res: 1:14:33
